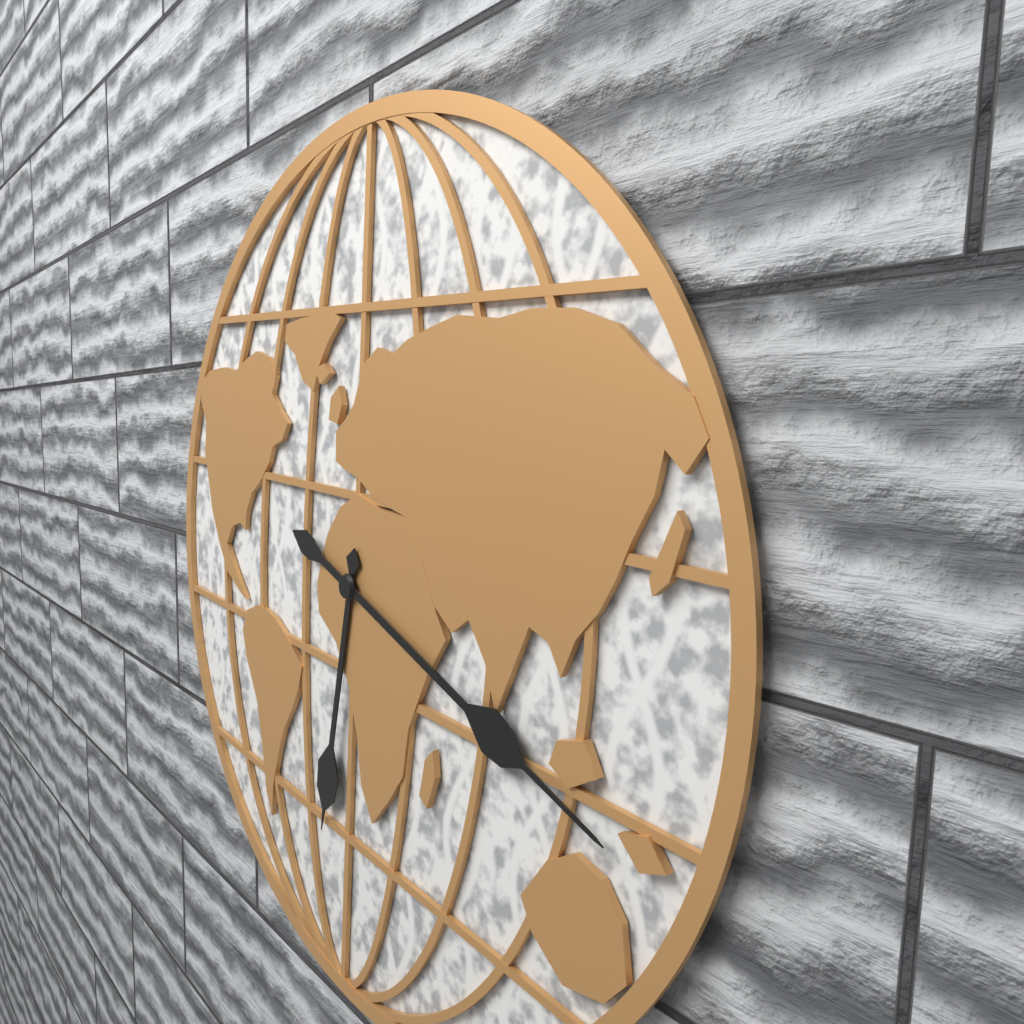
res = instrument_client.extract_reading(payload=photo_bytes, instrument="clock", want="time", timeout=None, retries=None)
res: 6:18
